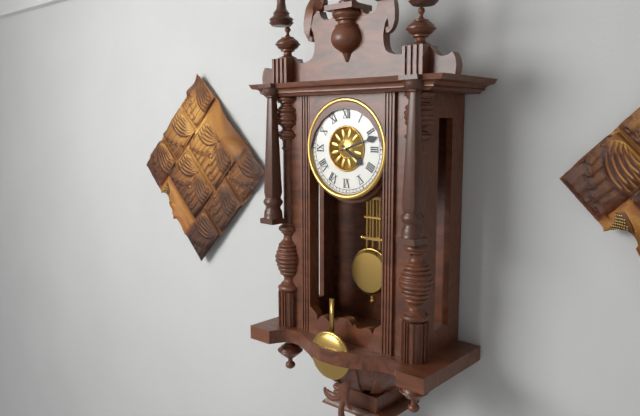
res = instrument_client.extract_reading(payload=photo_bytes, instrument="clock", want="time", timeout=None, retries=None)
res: 4:12
